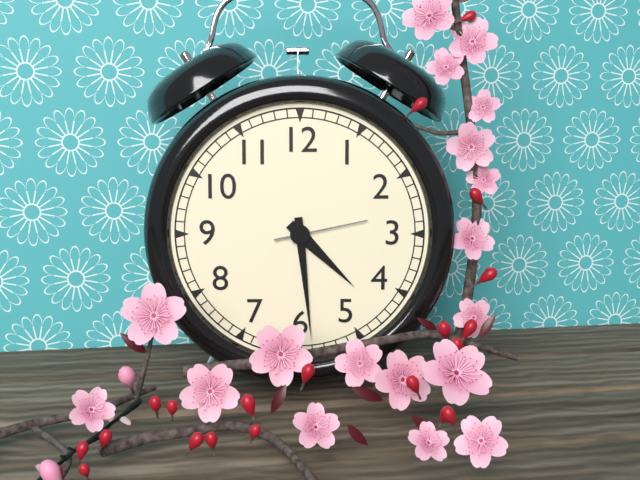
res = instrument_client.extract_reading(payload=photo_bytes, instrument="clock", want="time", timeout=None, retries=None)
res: 4:29:13
